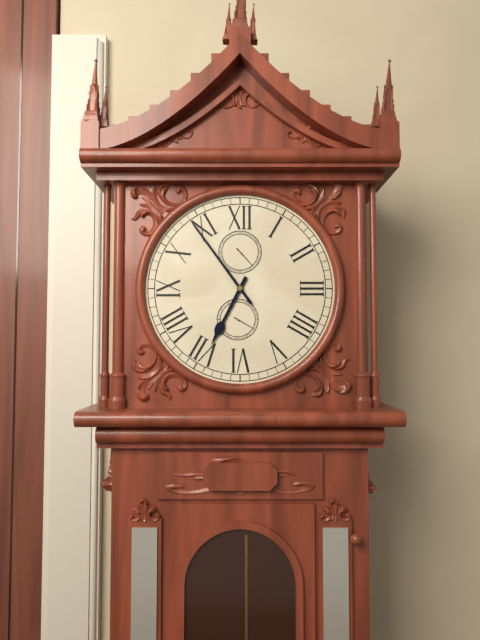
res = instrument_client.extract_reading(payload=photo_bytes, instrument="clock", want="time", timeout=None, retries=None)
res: 6:54
